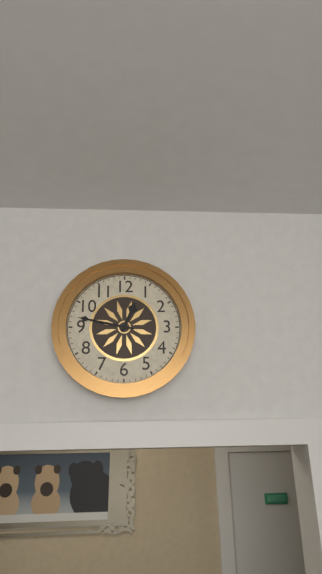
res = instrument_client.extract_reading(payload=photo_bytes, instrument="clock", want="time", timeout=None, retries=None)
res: 12:47
